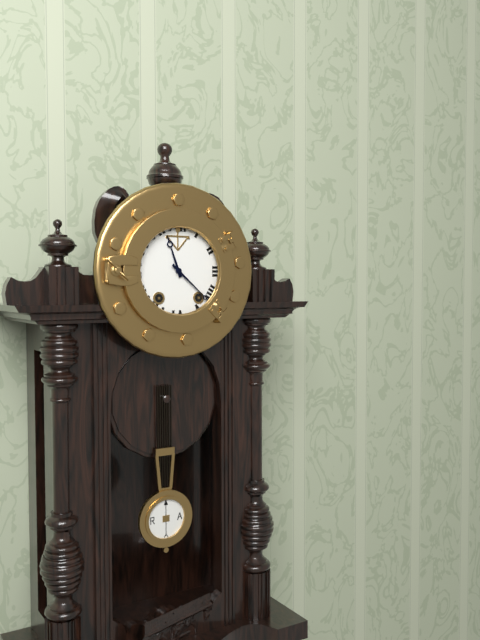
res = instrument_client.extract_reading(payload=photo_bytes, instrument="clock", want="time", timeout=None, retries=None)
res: 11:22
